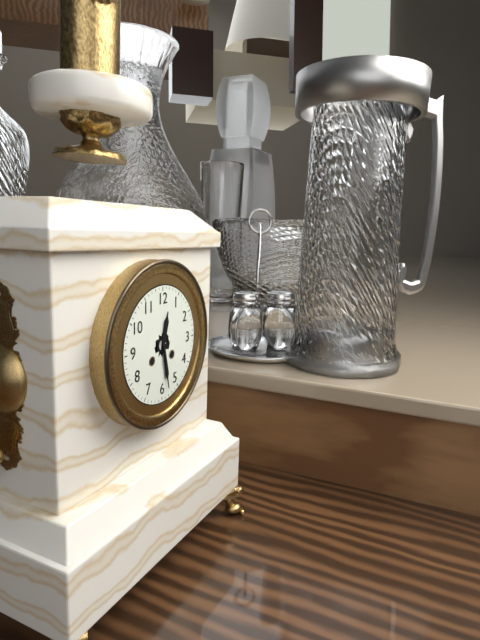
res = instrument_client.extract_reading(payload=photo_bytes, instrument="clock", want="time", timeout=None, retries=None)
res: 12:28
